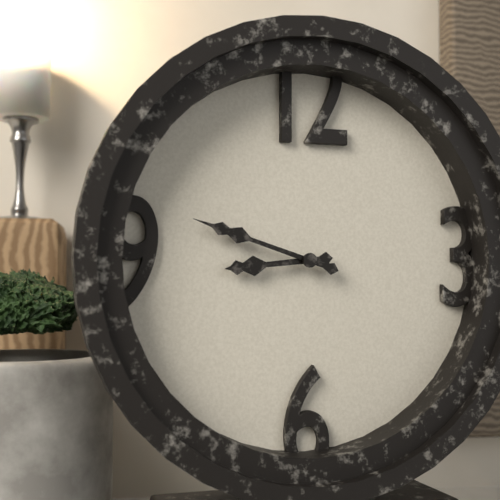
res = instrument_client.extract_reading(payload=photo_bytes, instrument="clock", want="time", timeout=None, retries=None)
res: 8:48
